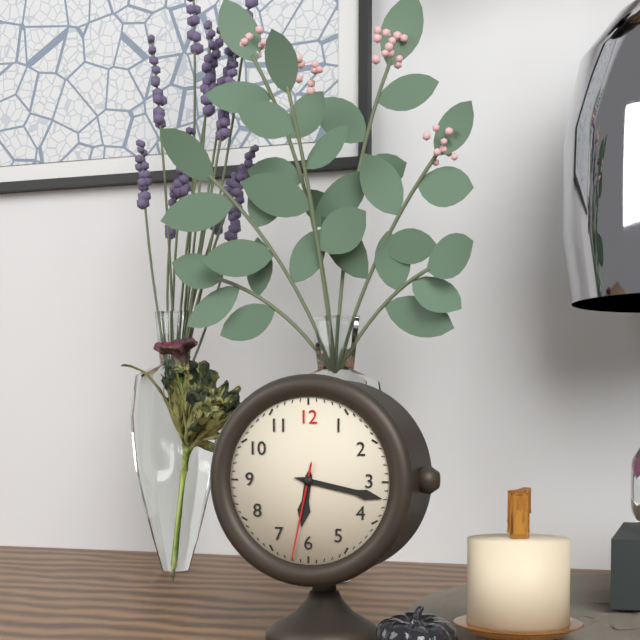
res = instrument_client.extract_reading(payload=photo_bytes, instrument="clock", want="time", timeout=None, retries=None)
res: 6:17:32
